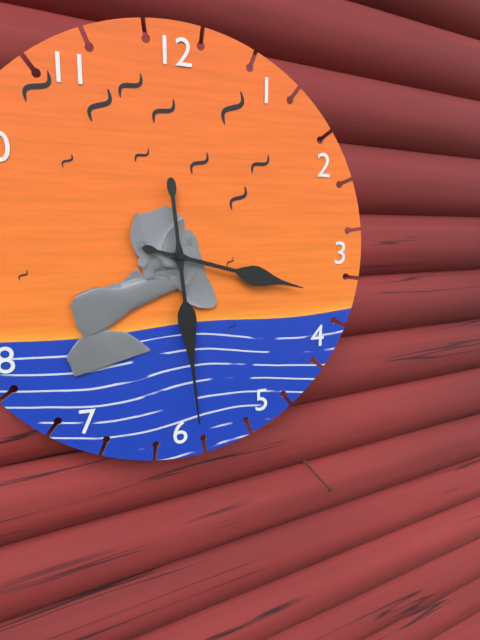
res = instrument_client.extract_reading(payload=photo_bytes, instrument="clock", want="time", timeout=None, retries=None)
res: 3:29
